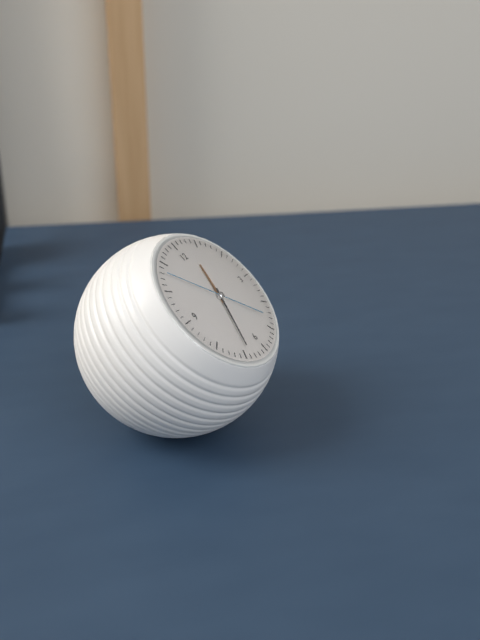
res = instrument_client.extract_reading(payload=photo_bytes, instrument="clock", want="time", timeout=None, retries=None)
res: 12:34:53
